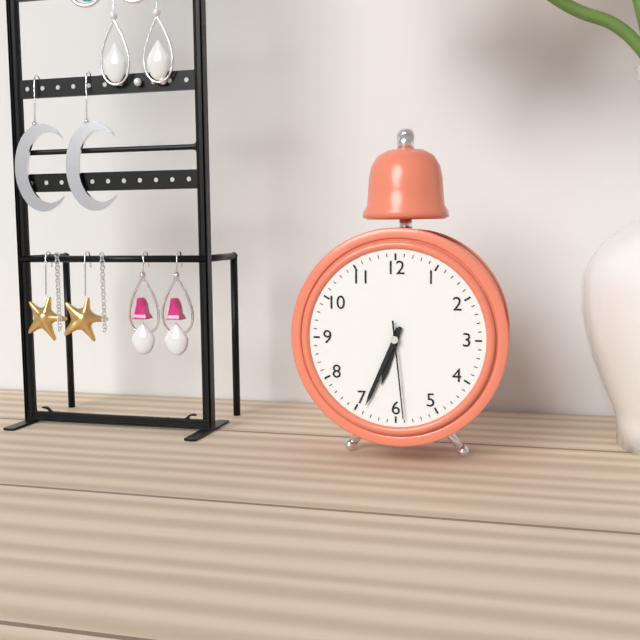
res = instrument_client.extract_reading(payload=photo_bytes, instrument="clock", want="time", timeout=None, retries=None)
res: 6:34:29
